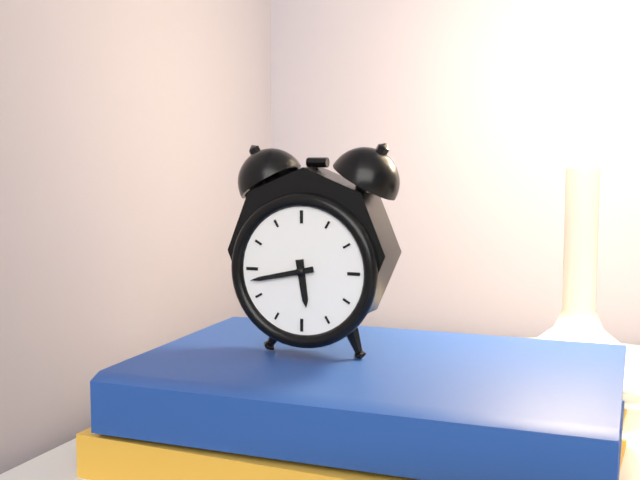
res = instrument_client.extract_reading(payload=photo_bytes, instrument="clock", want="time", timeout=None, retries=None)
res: 5:43
